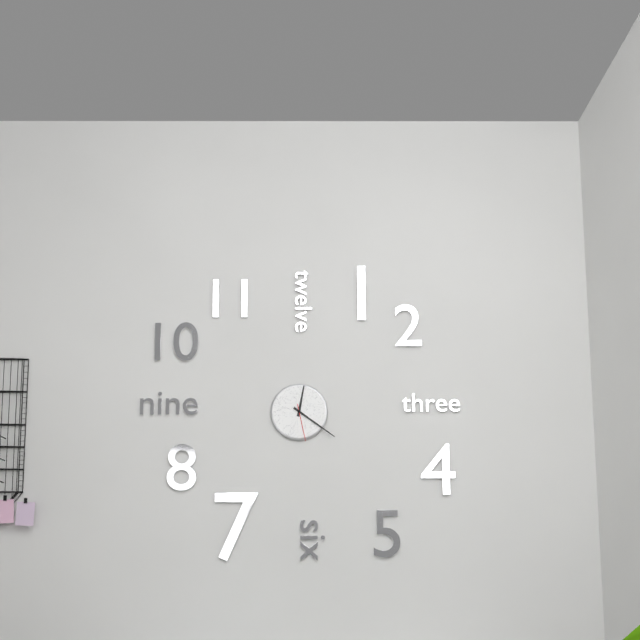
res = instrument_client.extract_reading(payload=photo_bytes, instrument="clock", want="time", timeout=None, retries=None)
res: 12:21
